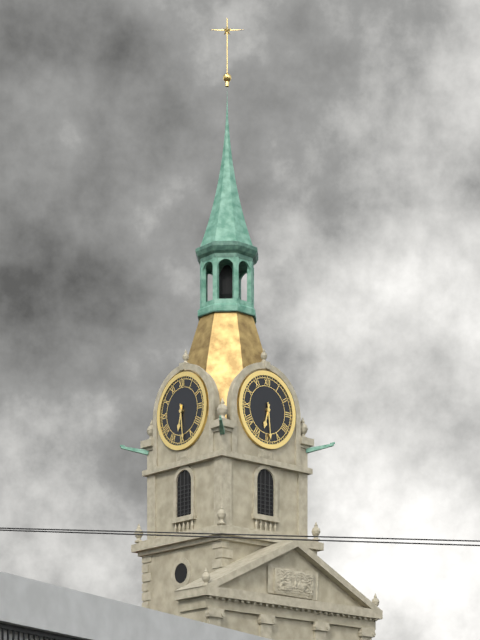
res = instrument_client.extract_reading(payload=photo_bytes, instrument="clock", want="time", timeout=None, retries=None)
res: 6:29
